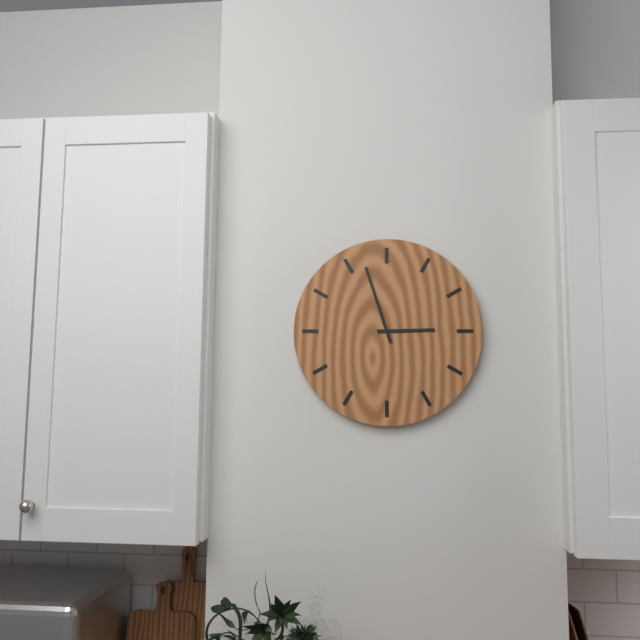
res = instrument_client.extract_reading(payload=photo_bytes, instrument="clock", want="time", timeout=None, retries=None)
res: 2:57
